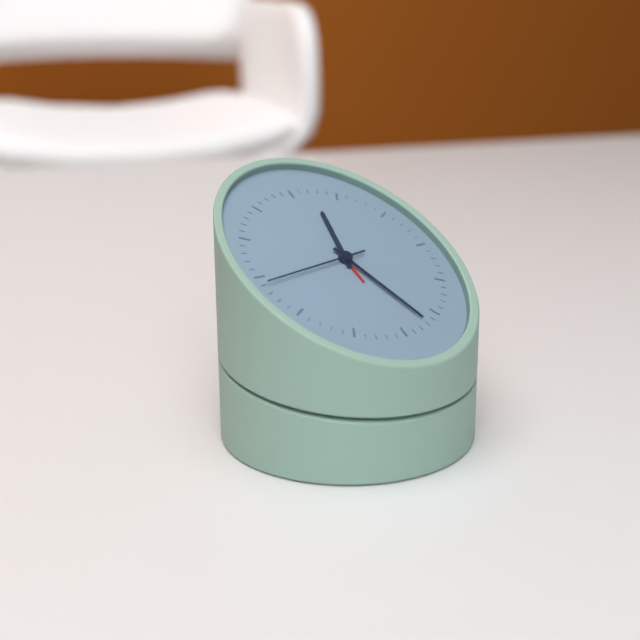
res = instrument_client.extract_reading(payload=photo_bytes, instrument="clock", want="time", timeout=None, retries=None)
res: 12:27:44
